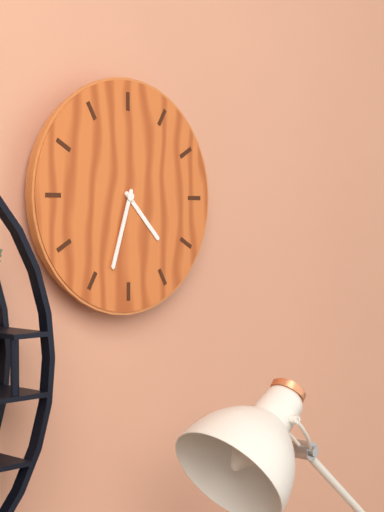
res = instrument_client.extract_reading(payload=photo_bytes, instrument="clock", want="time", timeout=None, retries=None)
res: 4:33
